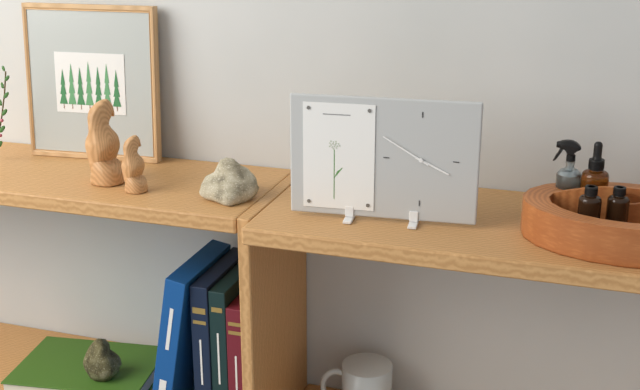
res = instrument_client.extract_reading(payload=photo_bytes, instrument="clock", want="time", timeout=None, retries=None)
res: 3:50
